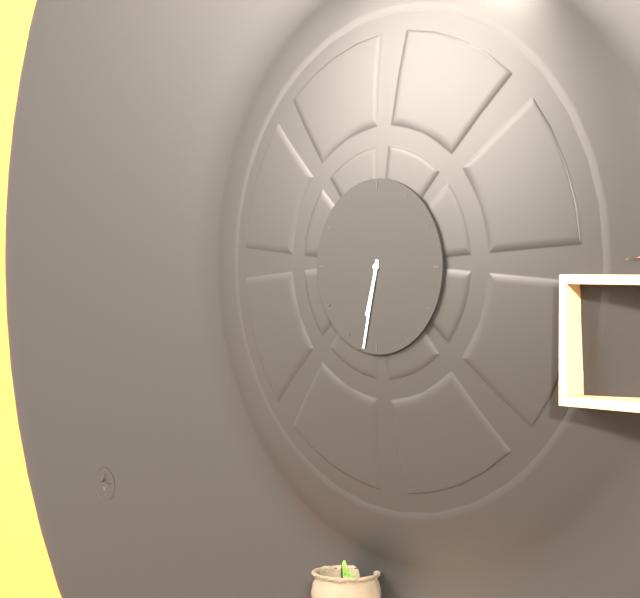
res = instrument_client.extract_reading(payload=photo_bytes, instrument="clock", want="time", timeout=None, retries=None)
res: 6:32
